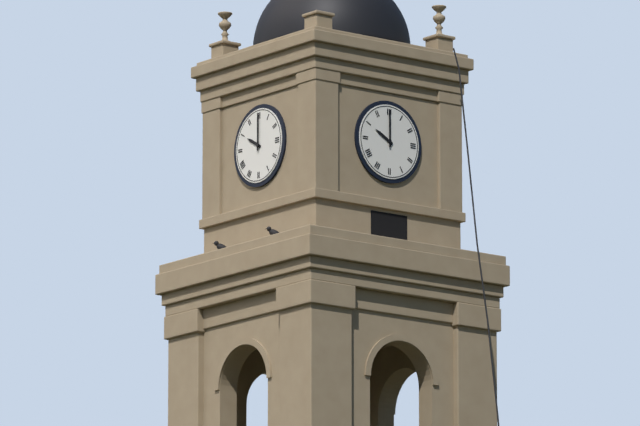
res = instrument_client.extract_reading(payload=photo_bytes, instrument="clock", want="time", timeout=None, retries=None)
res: 10:00
